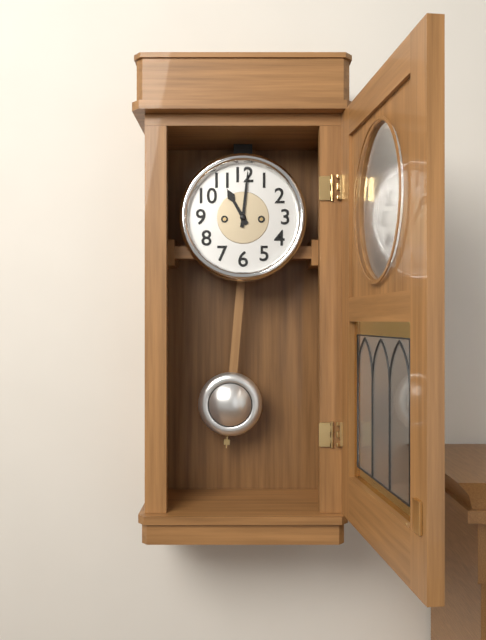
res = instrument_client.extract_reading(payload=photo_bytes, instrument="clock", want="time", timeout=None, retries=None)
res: 11:01
